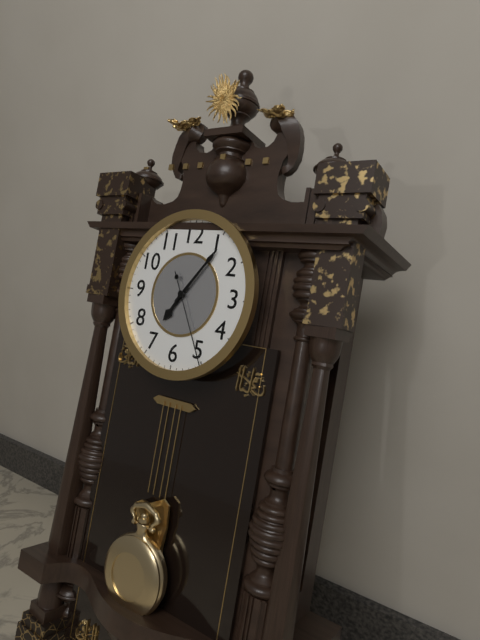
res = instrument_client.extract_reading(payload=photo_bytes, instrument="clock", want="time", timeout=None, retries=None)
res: 7:06:25
